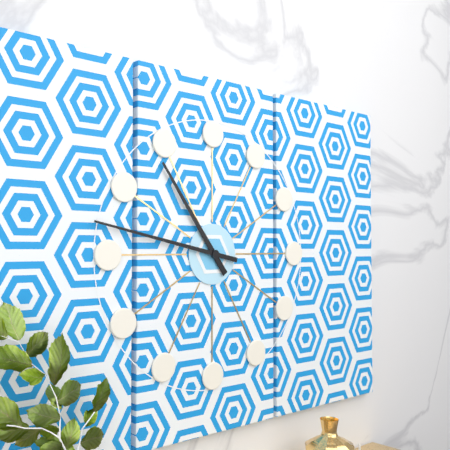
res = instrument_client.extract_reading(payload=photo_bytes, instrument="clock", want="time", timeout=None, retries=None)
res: 10:47
